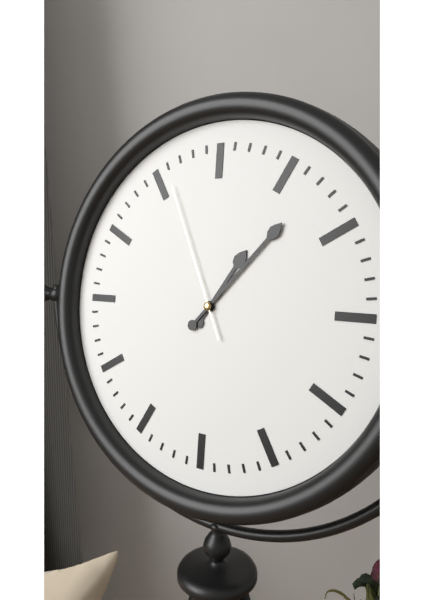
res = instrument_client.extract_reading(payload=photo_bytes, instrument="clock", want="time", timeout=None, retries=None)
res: 1:07:56
